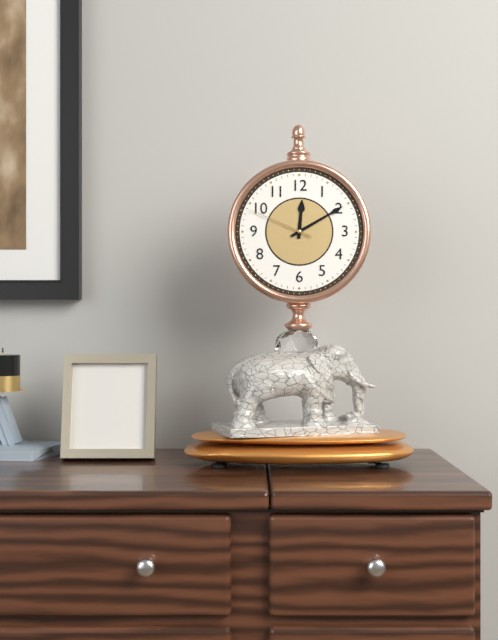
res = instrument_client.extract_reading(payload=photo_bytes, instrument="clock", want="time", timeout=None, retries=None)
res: 12:10:49
